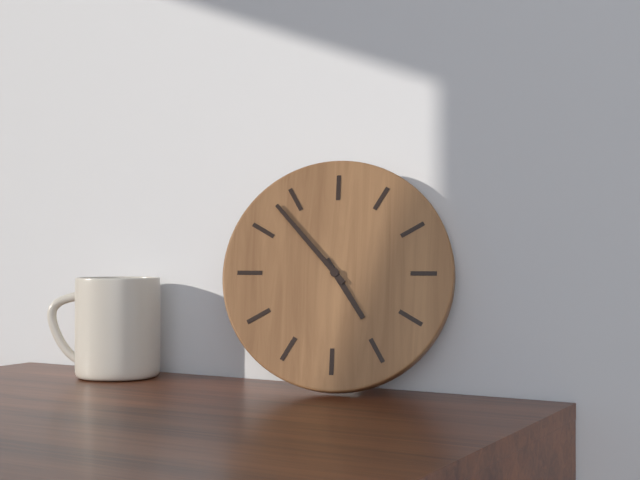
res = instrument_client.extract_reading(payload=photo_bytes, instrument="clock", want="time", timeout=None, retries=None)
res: 4:53
